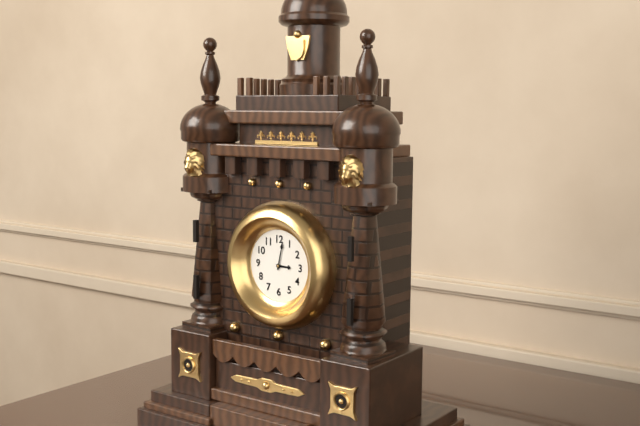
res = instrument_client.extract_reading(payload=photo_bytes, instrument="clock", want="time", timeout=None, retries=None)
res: 3:02
